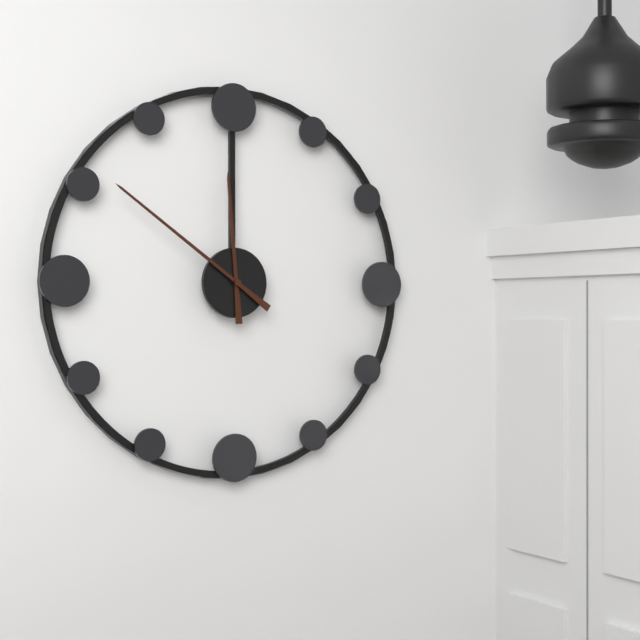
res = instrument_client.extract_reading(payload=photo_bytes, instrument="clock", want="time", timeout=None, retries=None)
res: 11:51
